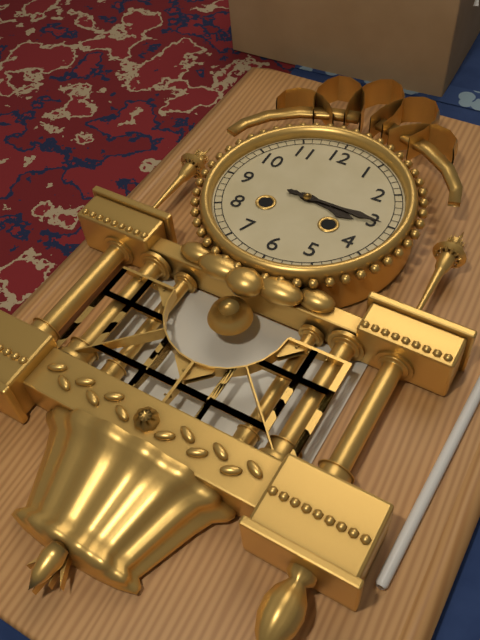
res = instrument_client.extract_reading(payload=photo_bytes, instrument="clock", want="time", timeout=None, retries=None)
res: 3:15
